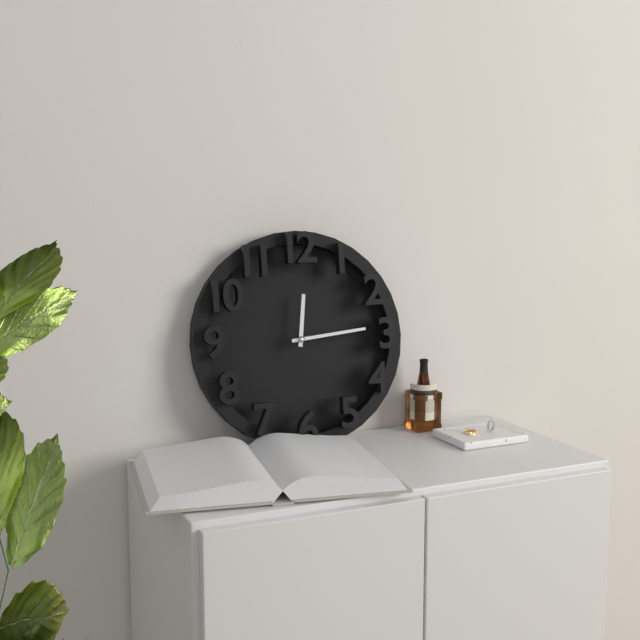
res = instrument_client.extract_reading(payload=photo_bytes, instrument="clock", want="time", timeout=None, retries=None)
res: 12:14
